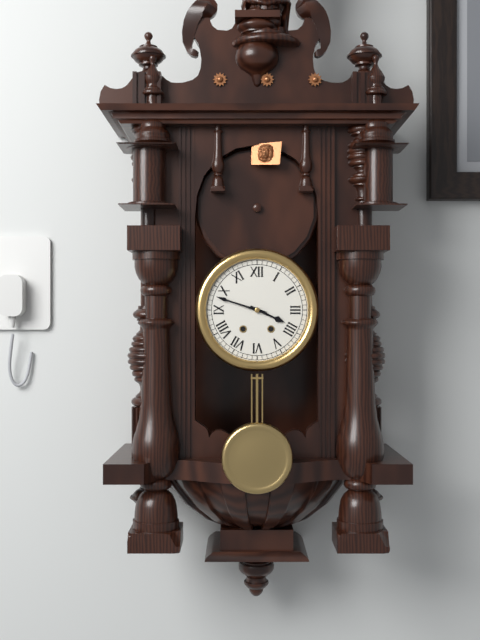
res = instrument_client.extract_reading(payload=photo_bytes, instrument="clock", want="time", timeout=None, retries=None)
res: 3:48
